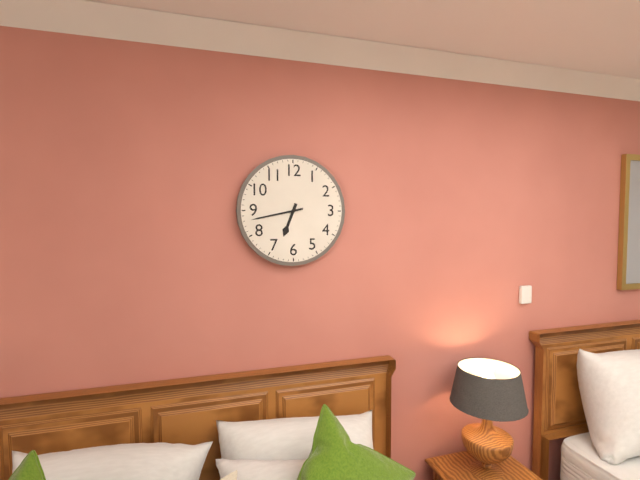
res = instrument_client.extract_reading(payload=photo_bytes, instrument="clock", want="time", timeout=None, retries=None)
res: 6:43
